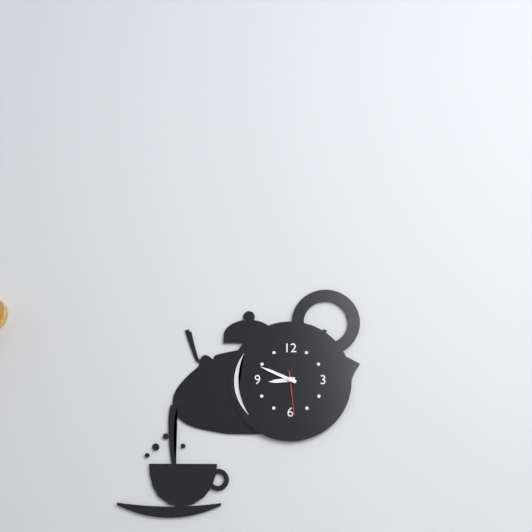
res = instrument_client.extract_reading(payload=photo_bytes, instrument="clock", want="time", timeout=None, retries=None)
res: 8:49
